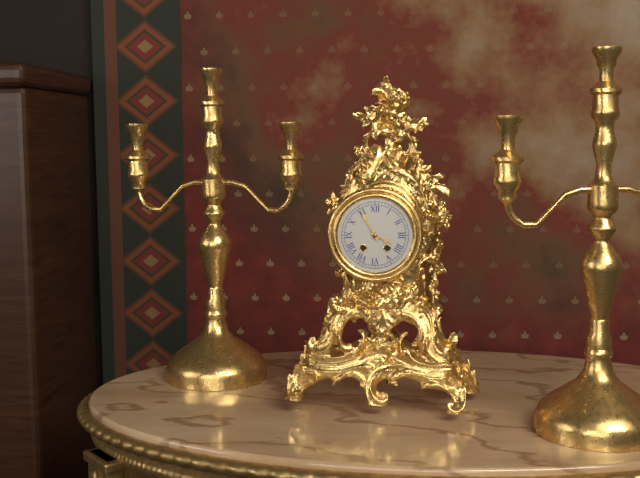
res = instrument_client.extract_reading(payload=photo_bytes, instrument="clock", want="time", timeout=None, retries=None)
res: 3:55
